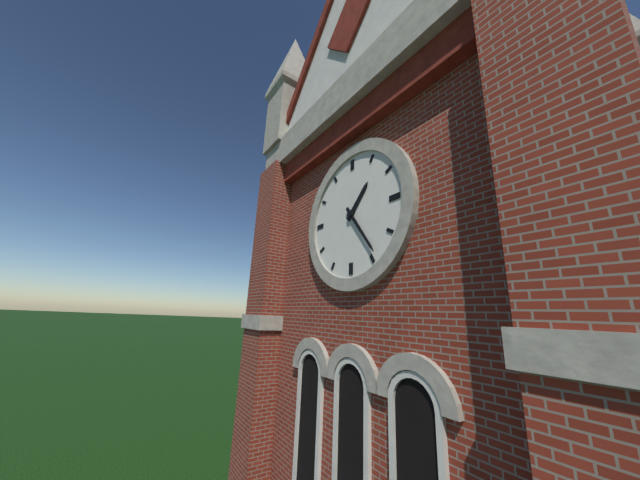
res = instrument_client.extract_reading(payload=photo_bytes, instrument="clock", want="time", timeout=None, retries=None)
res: 1:24
